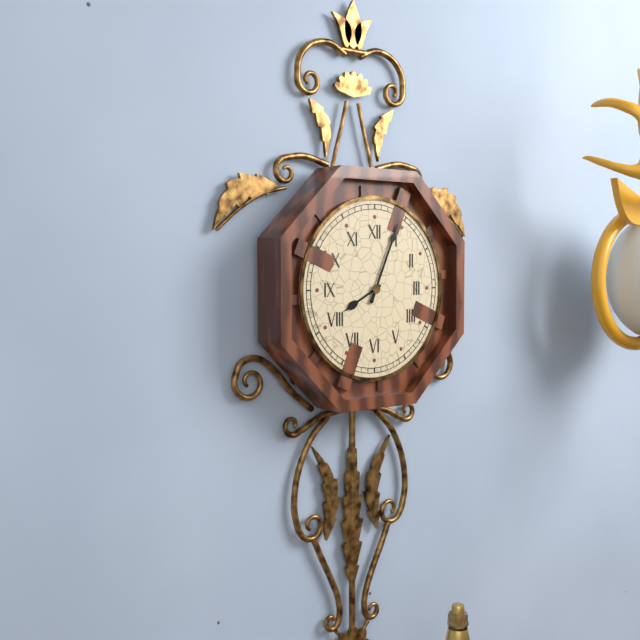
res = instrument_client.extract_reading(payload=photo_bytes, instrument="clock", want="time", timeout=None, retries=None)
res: 8:04
